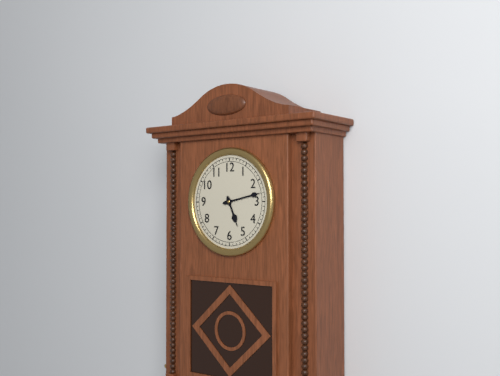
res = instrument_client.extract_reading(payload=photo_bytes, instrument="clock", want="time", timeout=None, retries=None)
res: 5:13
